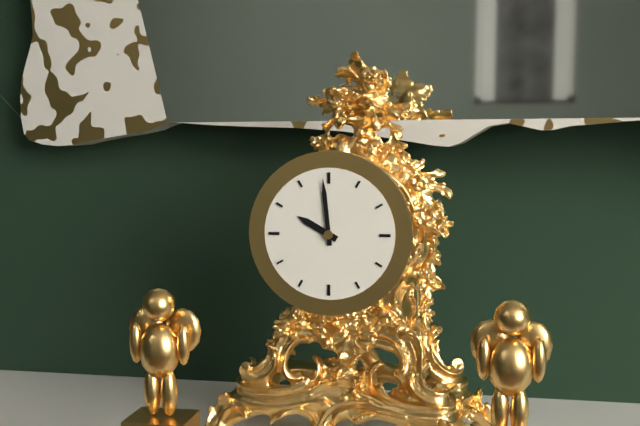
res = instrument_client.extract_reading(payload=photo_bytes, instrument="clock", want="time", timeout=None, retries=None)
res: 9:59
